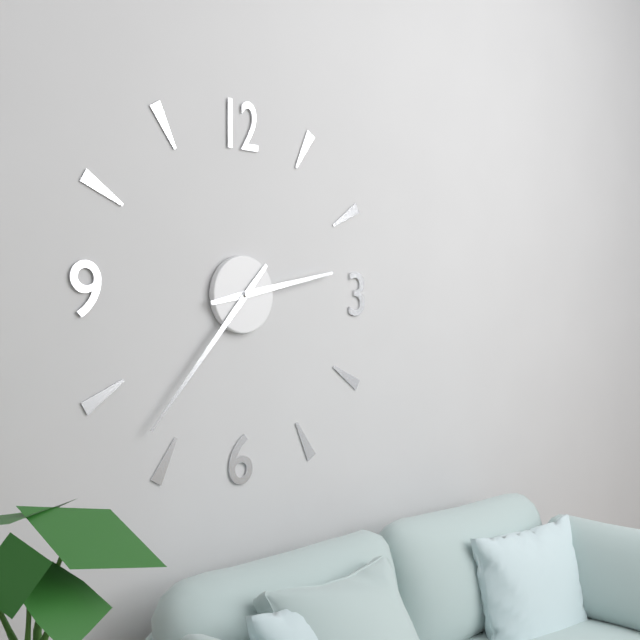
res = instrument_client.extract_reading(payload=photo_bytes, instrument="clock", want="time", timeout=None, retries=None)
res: 2:37
